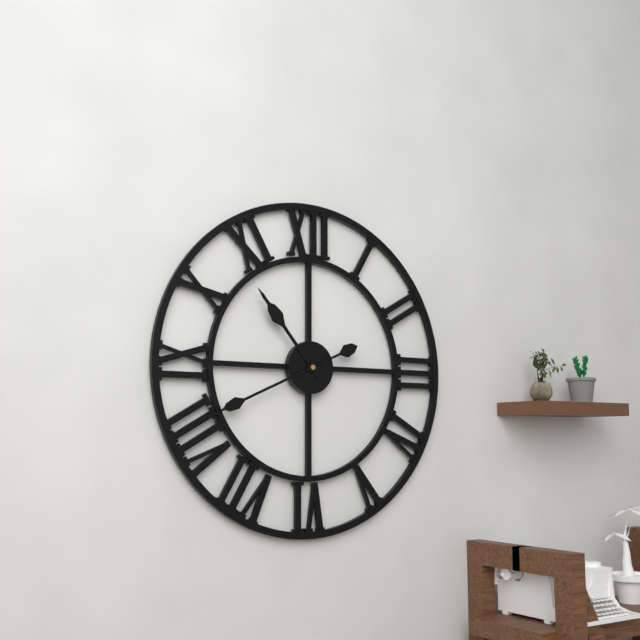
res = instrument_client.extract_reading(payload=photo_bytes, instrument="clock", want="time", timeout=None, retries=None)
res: 10:41
